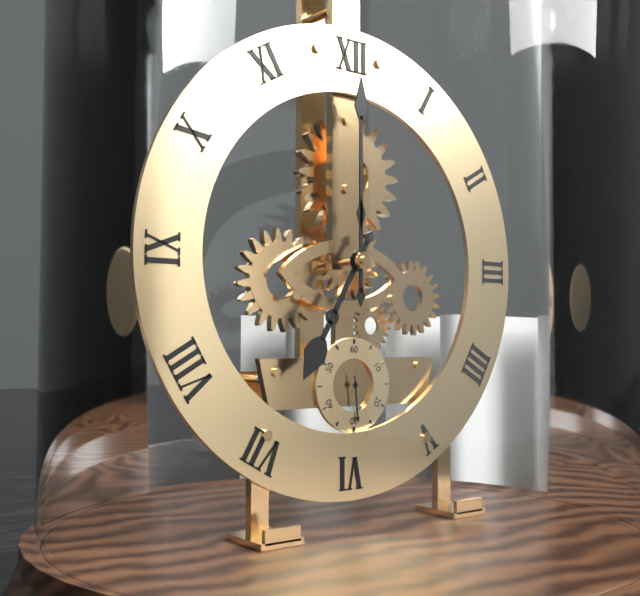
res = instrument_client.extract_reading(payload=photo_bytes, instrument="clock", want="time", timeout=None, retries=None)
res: 7:00
